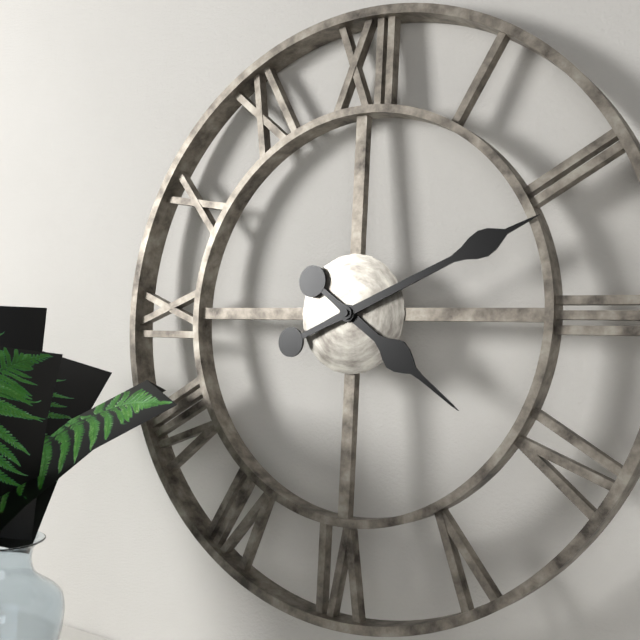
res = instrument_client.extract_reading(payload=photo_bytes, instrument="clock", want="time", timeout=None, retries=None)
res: 4:11
